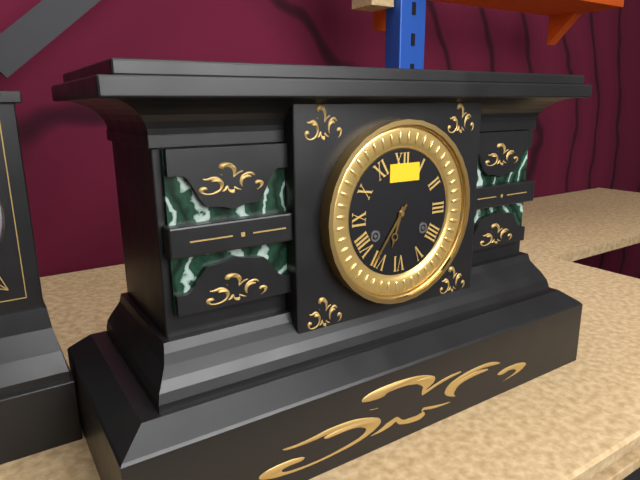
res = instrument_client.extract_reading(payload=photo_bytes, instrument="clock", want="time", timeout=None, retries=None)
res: 6:36
